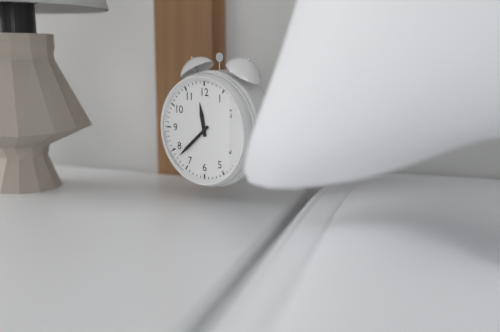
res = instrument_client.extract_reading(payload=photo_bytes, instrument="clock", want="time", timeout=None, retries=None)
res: 11:38
